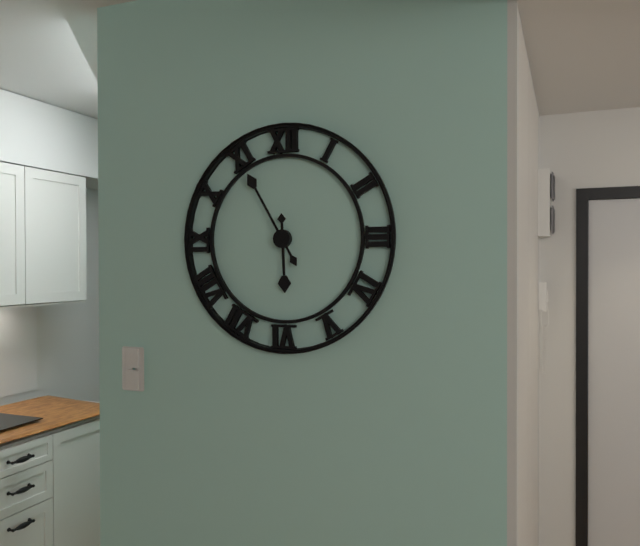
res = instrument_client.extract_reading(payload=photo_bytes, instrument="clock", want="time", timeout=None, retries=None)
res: 5:55
